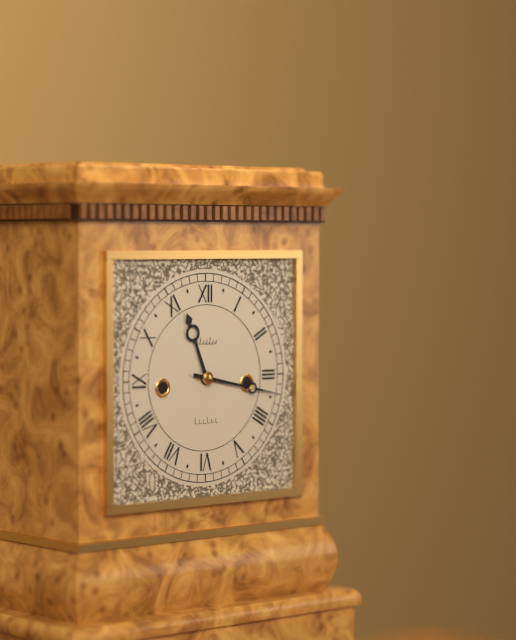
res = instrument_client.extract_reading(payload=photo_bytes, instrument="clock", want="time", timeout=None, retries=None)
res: 11:17
